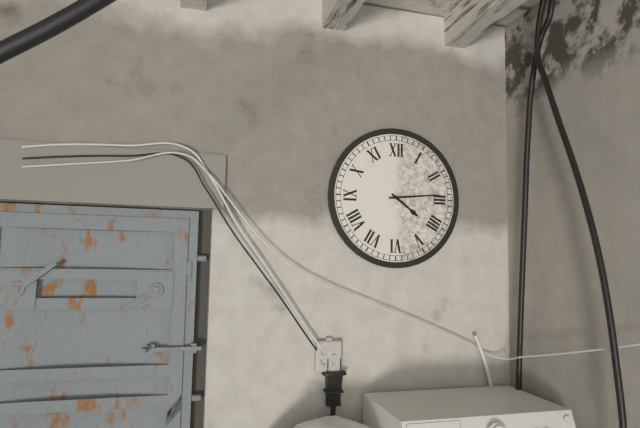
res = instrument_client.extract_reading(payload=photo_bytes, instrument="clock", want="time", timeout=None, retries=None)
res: 4:14
